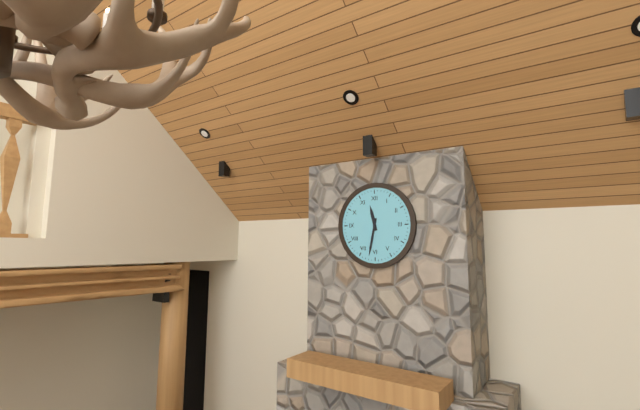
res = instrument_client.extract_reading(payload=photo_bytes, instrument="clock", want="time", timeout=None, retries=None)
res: 11:32
